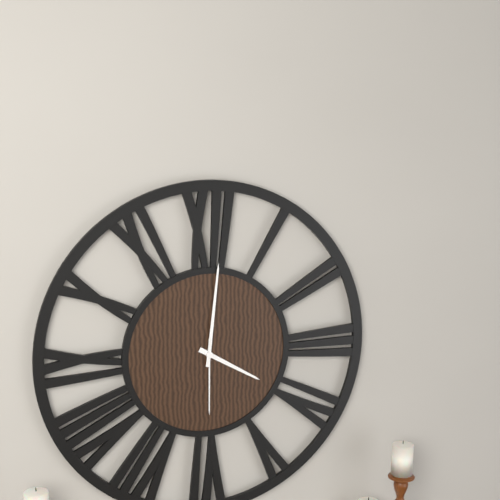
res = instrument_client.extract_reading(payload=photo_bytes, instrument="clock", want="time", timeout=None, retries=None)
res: 4:01:30
